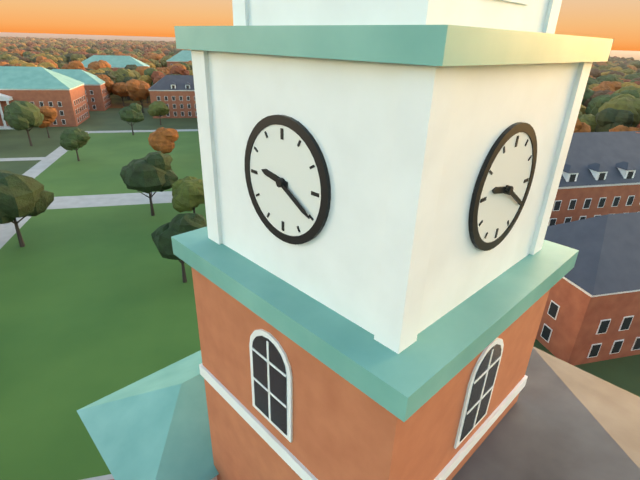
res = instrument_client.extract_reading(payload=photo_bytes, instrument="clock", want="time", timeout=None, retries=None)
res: 9:20
